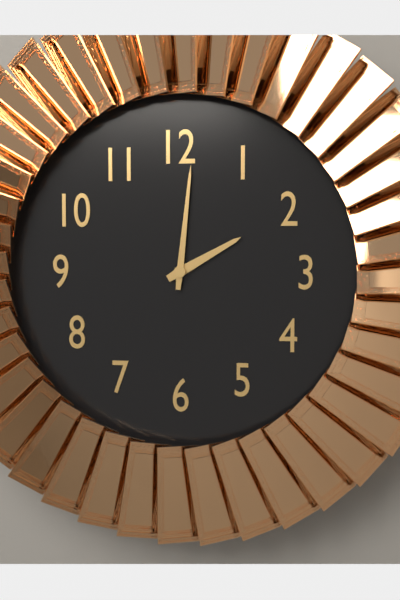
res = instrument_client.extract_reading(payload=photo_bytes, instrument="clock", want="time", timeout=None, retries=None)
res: 2:01
